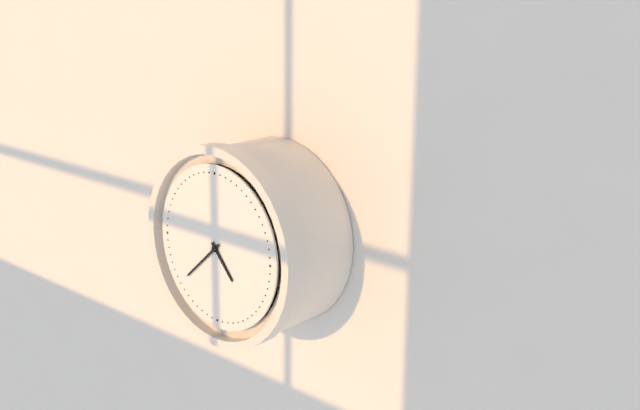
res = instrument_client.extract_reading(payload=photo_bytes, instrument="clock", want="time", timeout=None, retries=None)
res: 4:38
